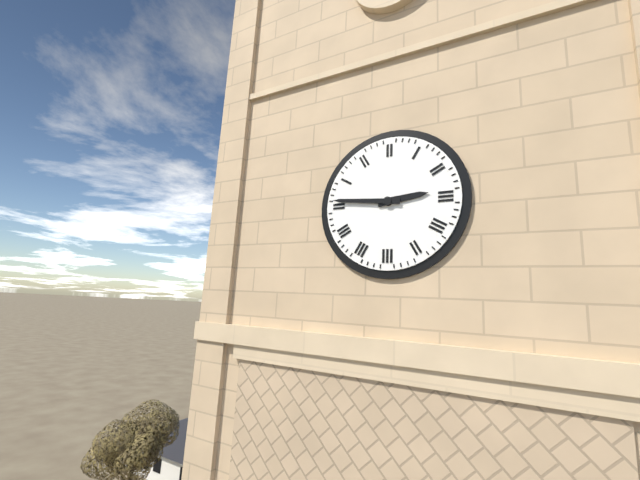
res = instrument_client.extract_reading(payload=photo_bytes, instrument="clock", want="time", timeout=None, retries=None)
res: 2:46
